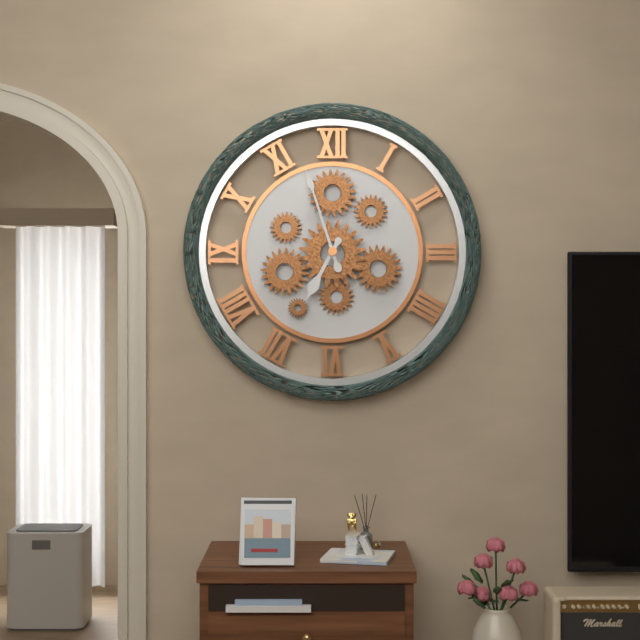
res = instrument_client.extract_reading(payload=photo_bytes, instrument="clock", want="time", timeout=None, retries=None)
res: 6:57
